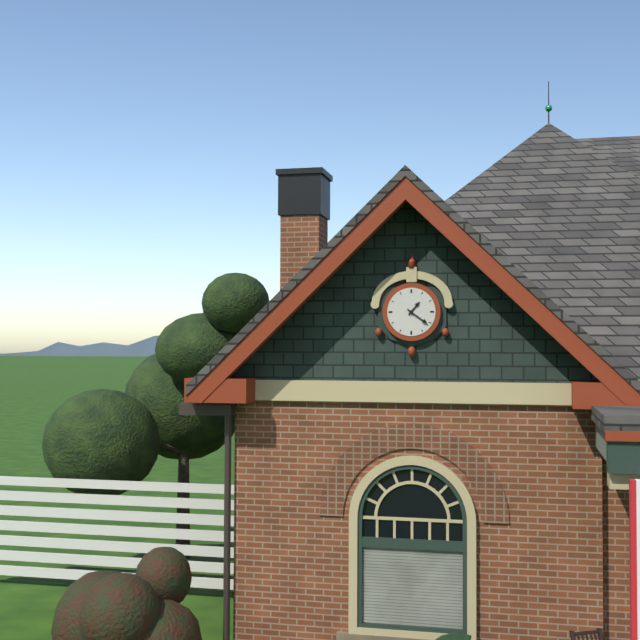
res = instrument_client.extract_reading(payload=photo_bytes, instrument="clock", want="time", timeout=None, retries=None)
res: 1:21
